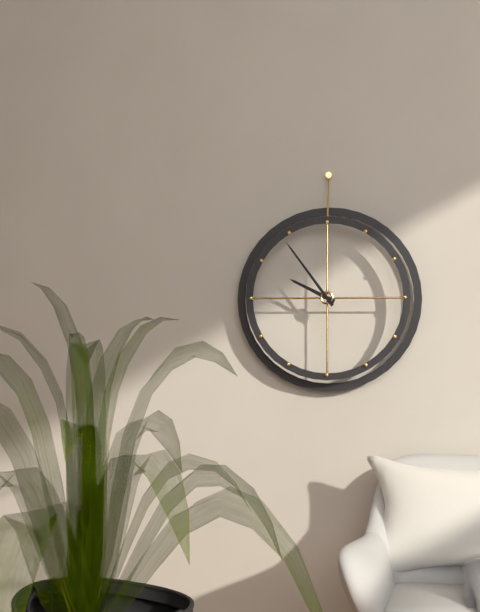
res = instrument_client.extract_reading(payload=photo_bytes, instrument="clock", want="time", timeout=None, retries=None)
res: 9:54
